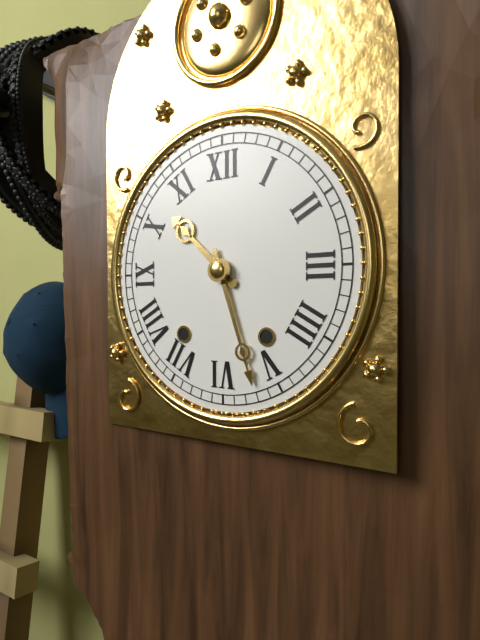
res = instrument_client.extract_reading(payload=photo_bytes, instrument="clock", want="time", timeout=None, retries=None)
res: 10:27
